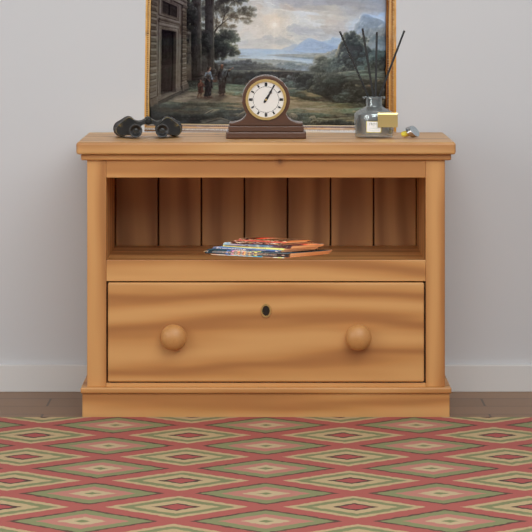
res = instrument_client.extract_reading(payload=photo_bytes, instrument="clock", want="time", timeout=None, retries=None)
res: 1:05
